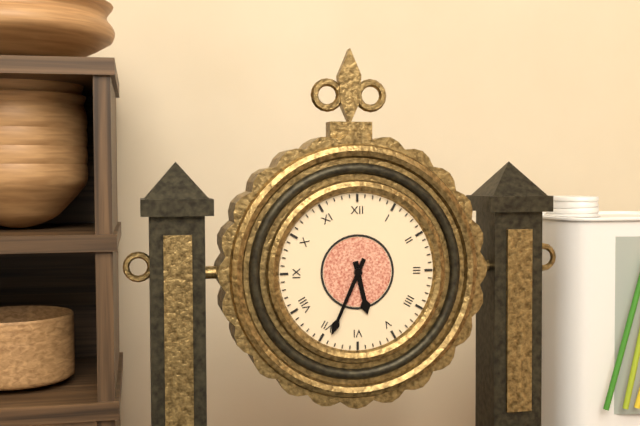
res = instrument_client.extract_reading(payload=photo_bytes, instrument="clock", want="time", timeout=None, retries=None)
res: 5:34
